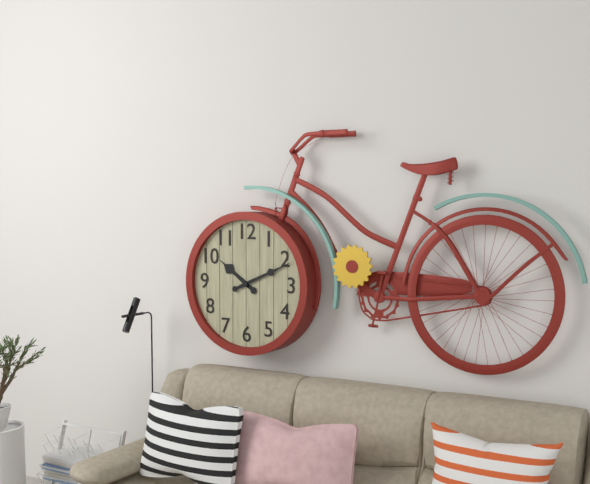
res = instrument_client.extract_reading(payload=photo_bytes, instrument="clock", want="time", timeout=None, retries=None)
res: 10:11
